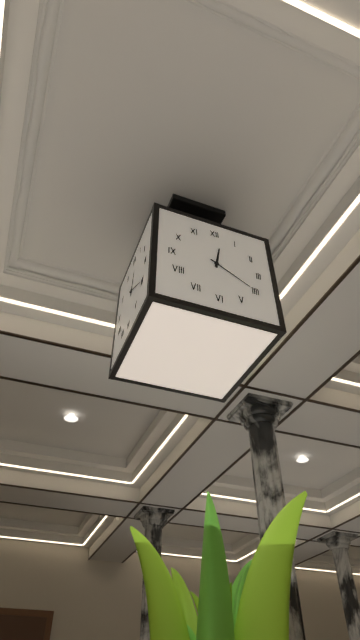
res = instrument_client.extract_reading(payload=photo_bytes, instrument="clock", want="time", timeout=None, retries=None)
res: 12:20
